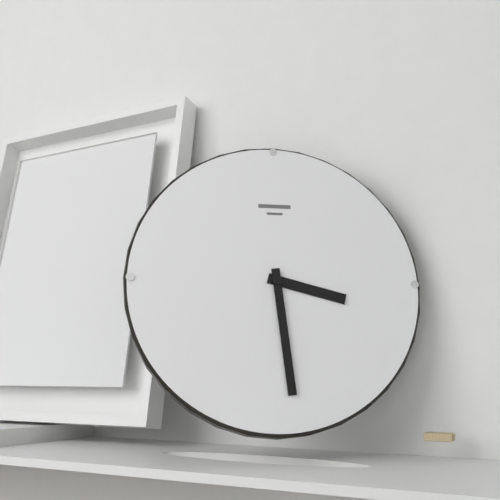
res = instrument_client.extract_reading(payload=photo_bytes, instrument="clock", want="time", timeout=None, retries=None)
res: 3:29
